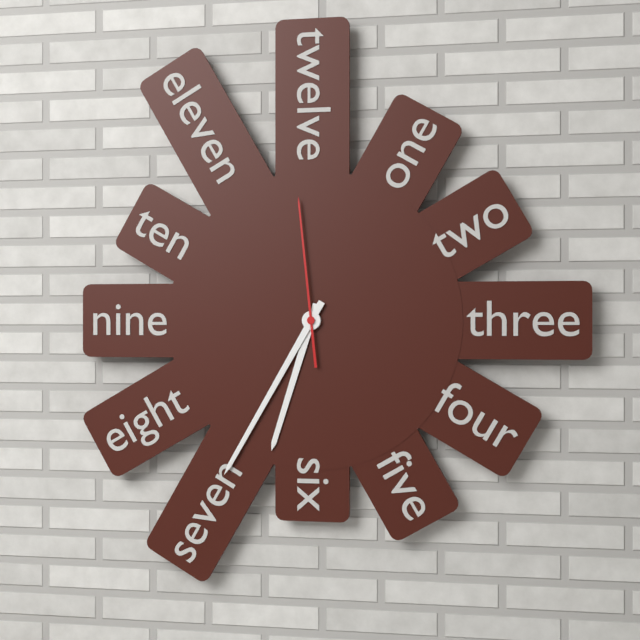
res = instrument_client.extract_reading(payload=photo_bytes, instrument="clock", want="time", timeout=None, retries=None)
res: 6:35:59
